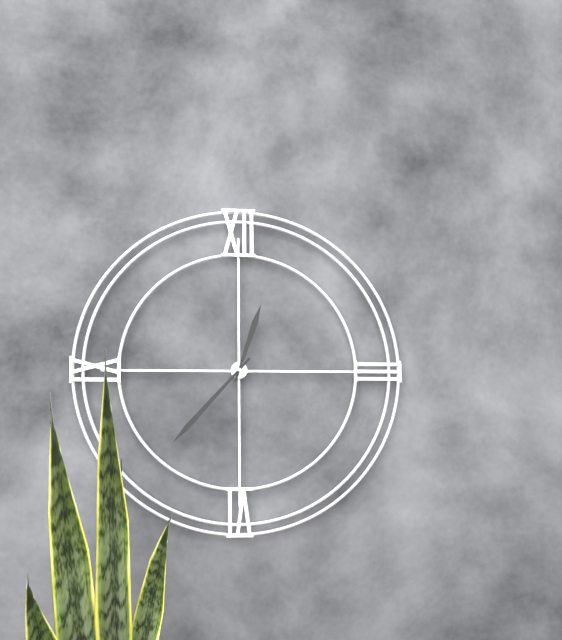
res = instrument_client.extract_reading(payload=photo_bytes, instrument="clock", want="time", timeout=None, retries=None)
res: 12:37
